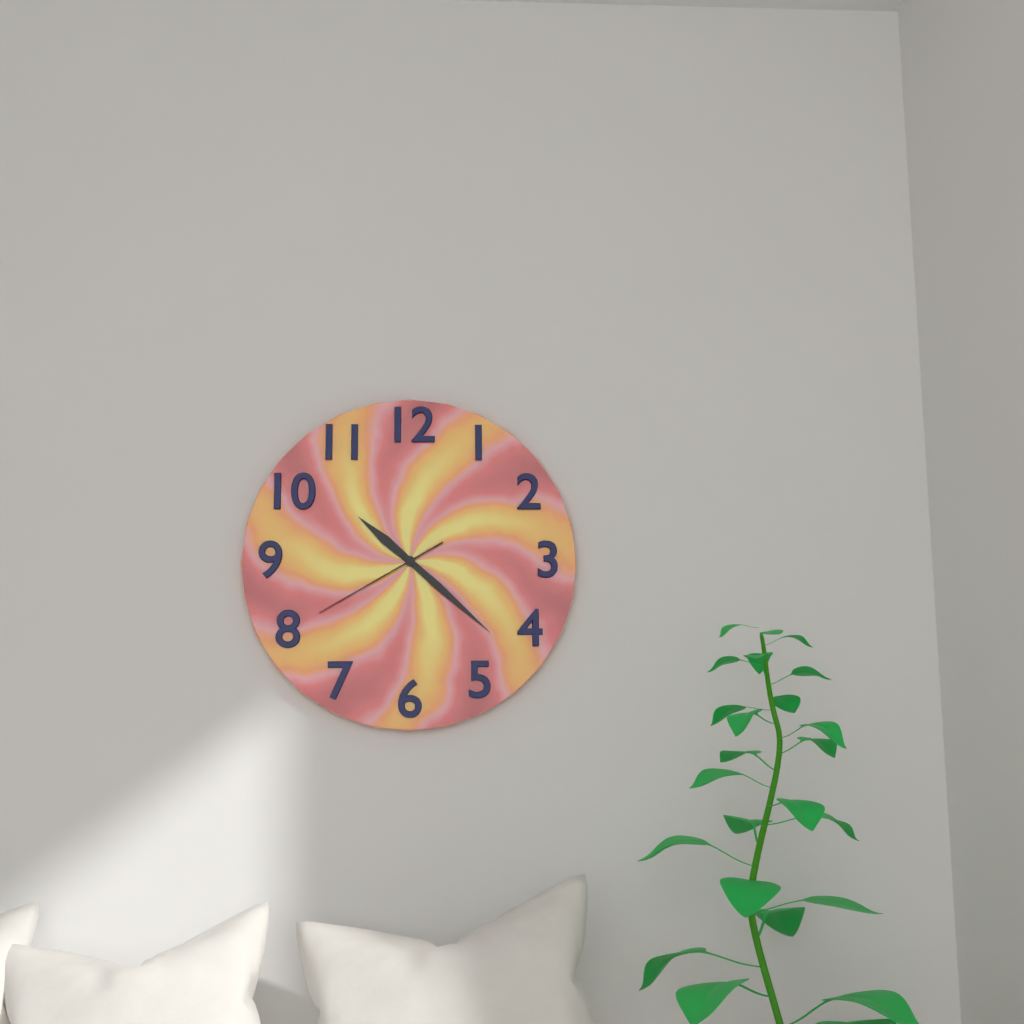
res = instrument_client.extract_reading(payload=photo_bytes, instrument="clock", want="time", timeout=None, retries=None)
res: 10:22:40
